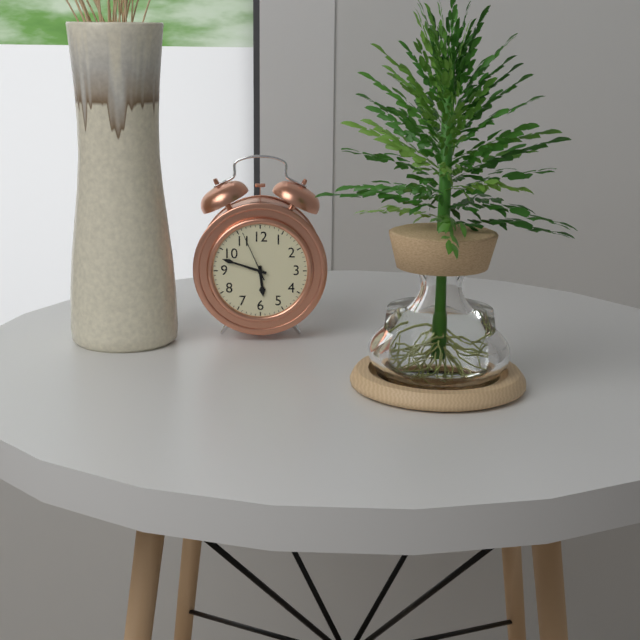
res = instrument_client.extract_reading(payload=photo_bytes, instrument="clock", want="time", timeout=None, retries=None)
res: 5:48:56
